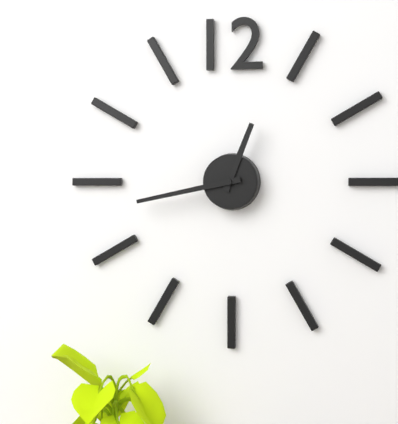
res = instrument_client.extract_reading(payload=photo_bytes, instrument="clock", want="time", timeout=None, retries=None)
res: 12:43
